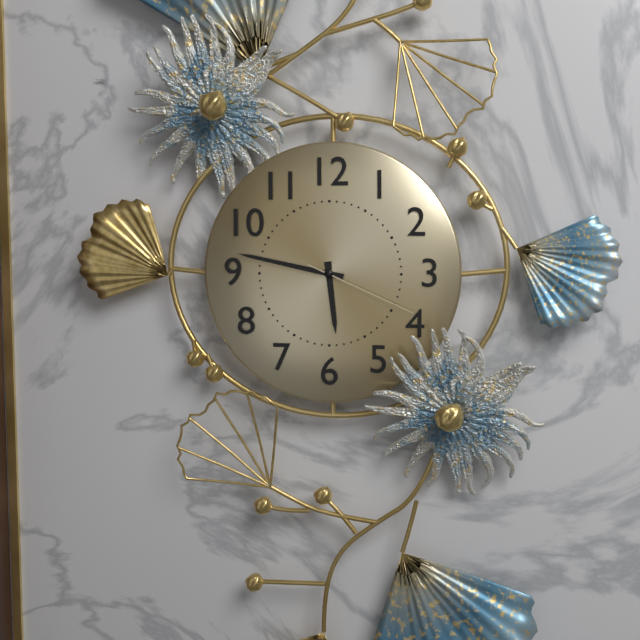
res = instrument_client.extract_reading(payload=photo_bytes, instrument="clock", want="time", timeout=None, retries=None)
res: 5:47:19
